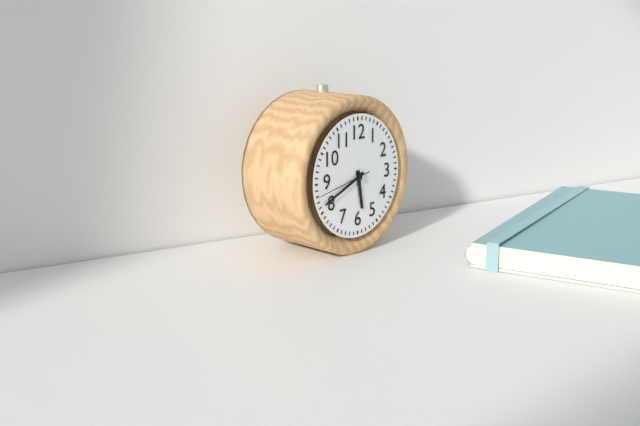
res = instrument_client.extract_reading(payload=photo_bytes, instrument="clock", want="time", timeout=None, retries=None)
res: 5:41:43
